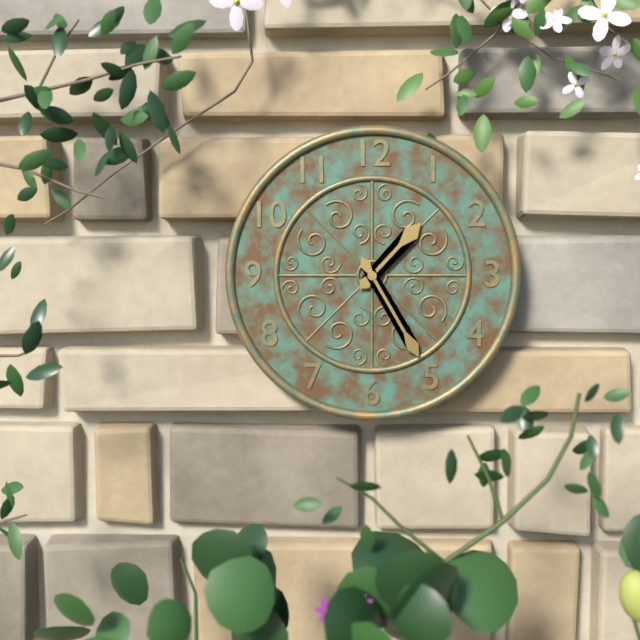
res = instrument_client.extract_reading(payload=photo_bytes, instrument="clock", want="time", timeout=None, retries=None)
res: 1:25
